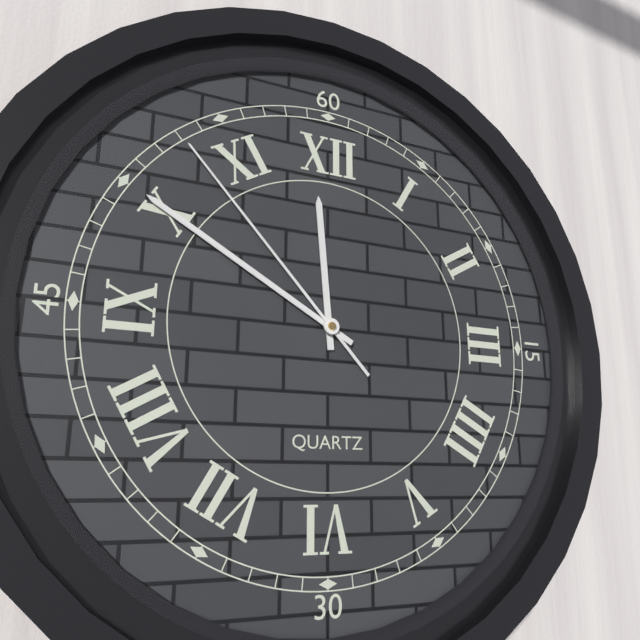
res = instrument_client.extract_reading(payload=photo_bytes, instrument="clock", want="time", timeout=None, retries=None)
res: 11:50:53
